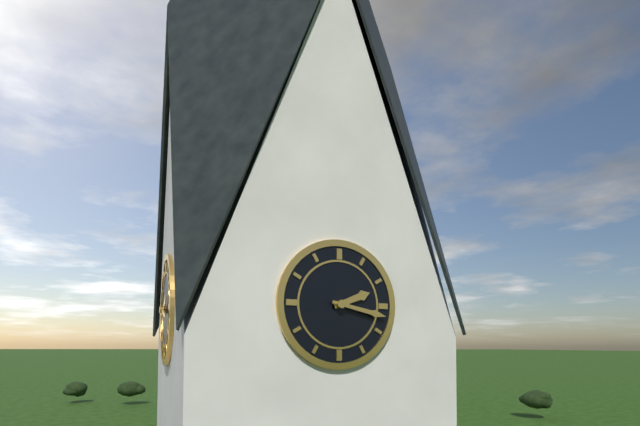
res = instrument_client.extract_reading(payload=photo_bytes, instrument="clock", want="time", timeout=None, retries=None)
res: 2:17
